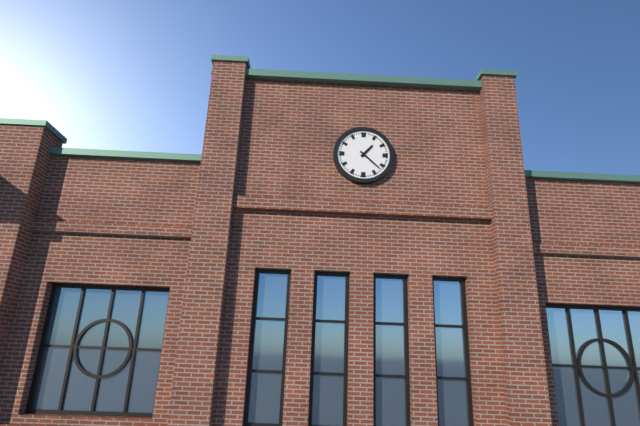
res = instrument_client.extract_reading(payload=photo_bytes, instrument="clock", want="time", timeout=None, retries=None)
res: 1:22
